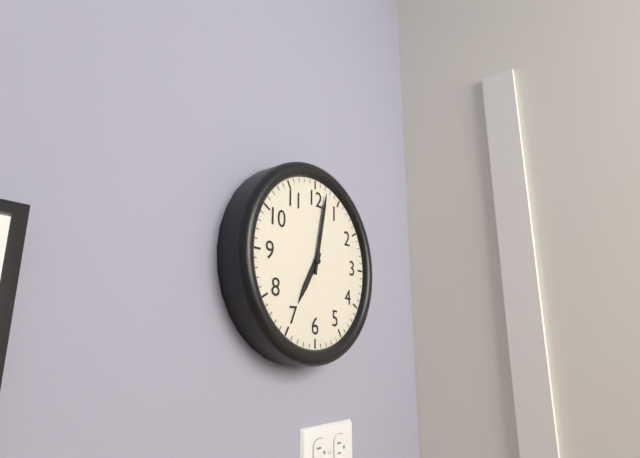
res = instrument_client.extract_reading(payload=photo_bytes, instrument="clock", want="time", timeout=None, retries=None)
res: 7:02
